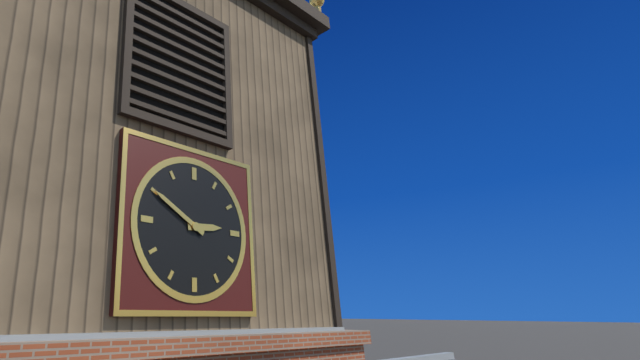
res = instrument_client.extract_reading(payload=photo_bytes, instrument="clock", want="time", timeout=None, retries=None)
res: 2:50
